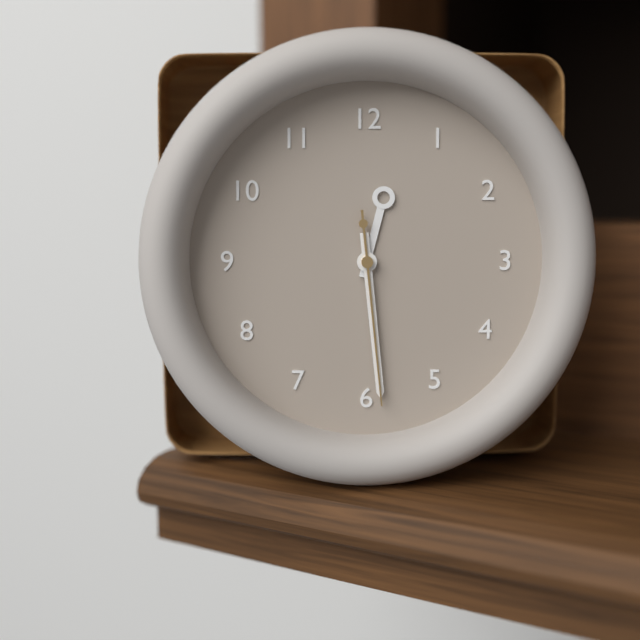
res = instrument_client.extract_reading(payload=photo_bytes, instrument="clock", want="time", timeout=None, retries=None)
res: 12:29:29
